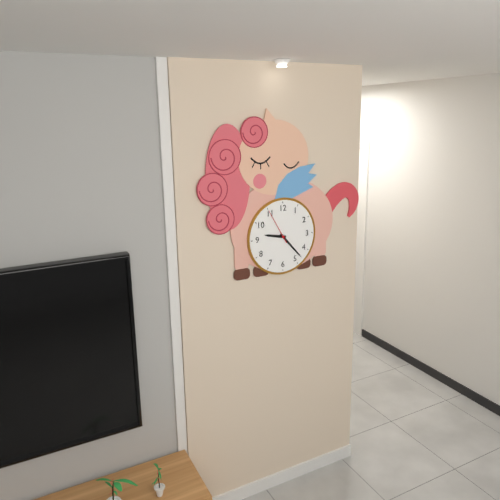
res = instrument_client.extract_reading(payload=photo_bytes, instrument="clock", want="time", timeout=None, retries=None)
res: 9:23
